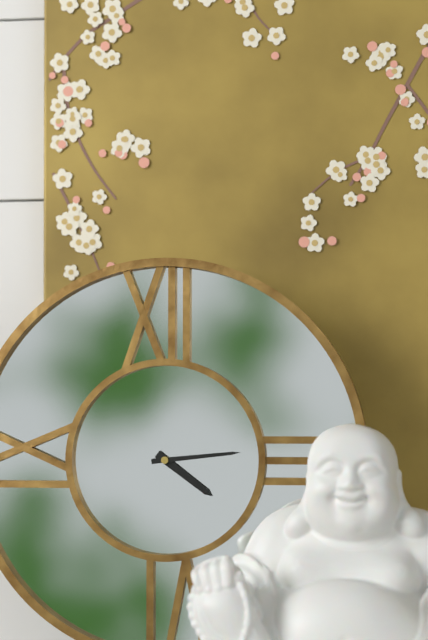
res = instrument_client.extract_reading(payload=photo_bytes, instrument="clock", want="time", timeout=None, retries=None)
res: 4:14
